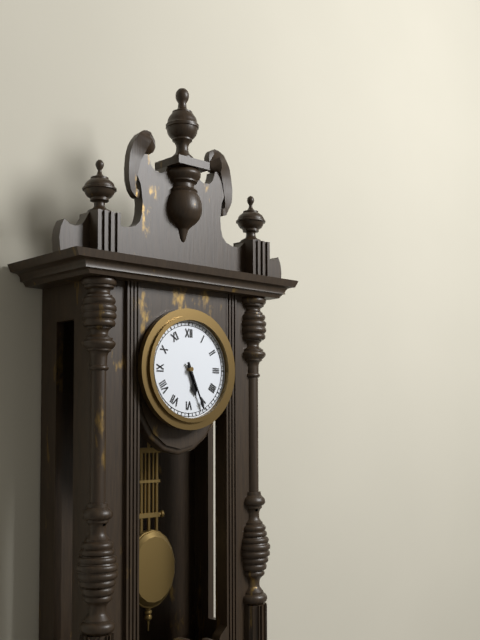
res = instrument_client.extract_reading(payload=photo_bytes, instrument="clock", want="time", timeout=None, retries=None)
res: 5:26
